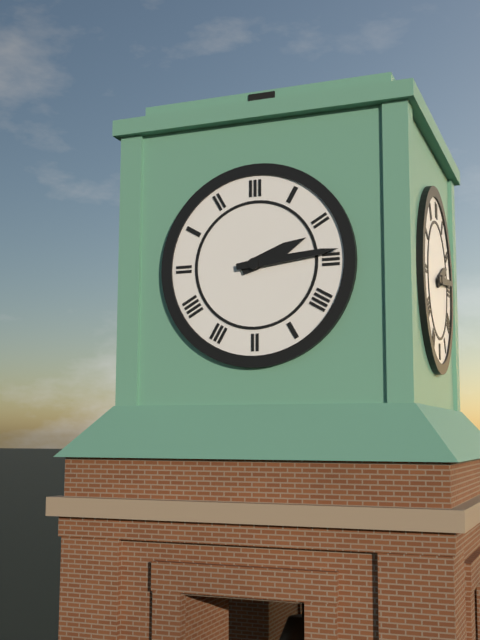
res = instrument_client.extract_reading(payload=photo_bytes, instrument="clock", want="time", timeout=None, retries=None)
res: 2:14
